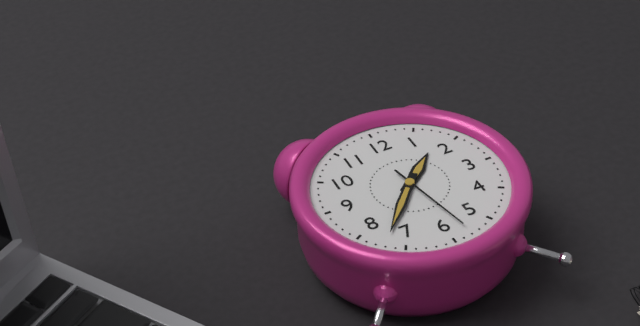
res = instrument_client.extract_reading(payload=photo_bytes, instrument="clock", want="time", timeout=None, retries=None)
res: 1:37:28
